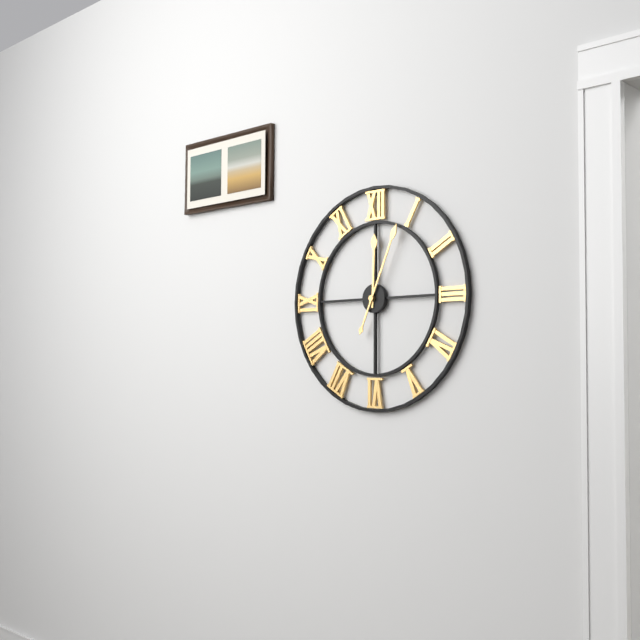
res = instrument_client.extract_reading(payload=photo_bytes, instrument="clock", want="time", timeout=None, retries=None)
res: 12:04
